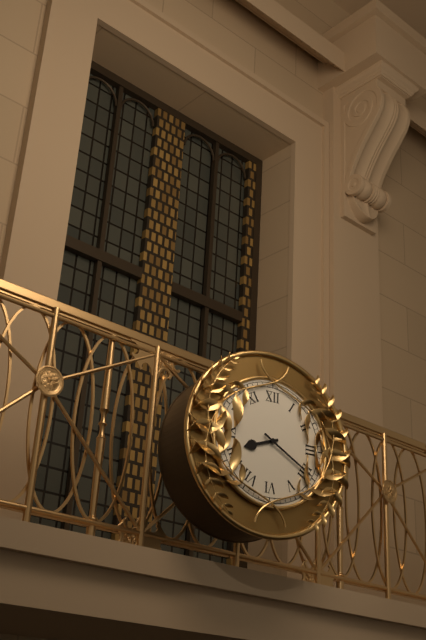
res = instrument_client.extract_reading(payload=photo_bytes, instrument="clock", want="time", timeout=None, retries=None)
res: 8:20
